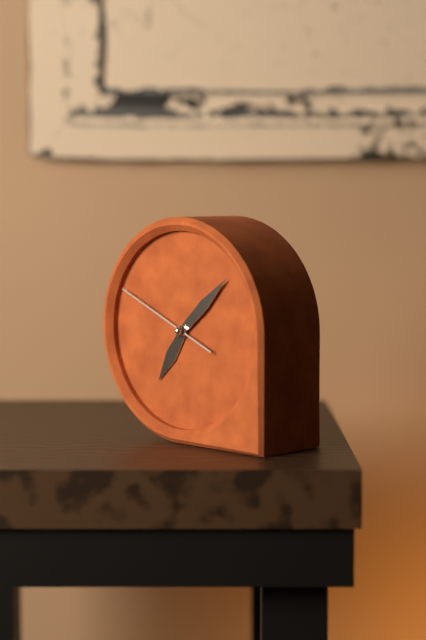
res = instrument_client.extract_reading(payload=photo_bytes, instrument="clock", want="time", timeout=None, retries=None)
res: 7:08:49
